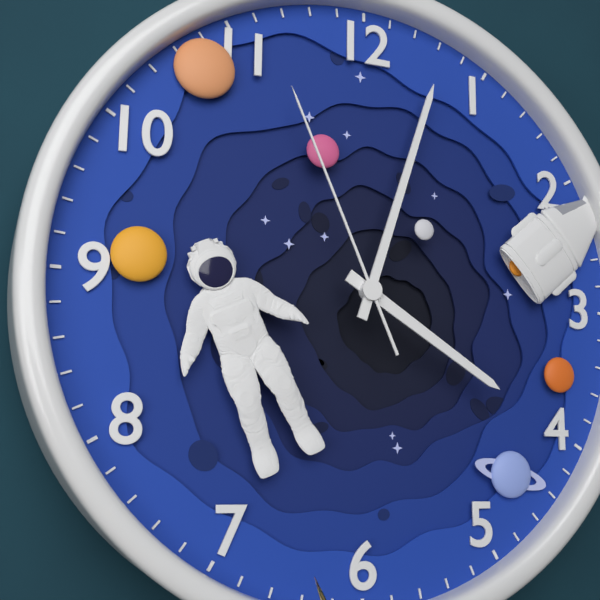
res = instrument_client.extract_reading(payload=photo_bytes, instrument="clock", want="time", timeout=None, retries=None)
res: 4:03:56
